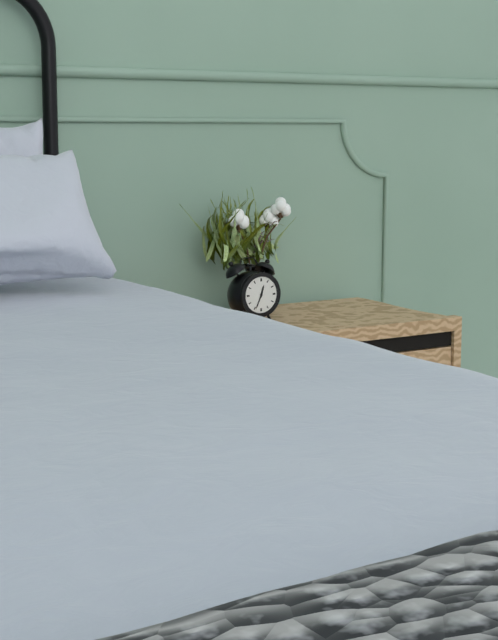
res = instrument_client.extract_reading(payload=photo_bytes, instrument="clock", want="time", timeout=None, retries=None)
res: 12:34
